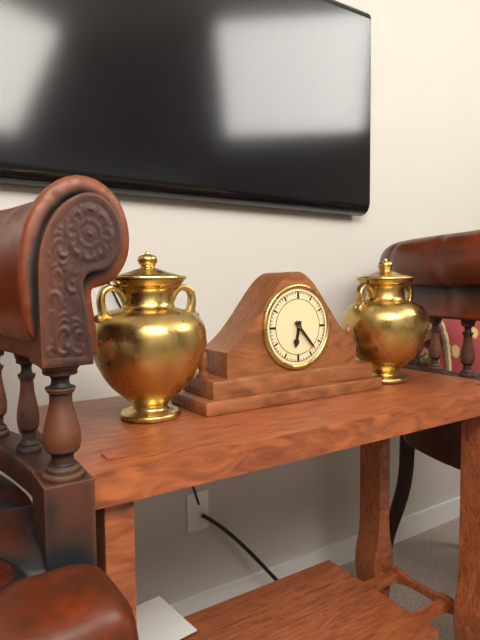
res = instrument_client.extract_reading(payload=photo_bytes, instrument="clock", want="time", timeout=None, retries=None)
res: 6:23
